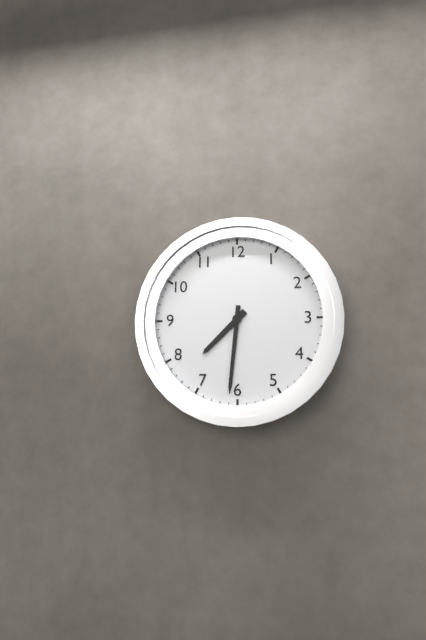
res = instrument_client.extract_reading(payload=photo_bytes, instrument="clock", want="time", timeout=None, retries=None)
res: 7:31
